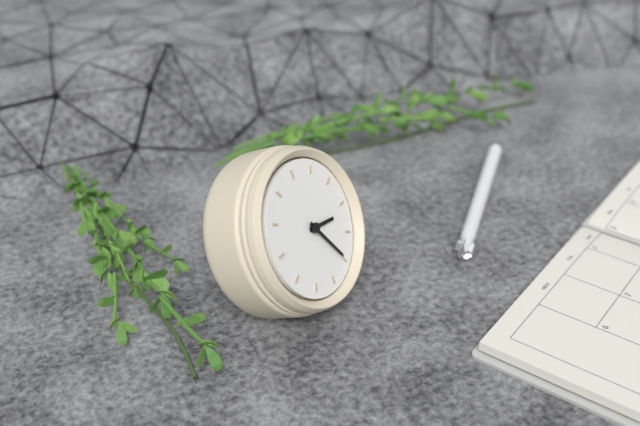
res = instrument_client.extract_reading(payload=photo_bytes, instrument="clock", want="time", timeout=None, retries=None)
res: 2:20
